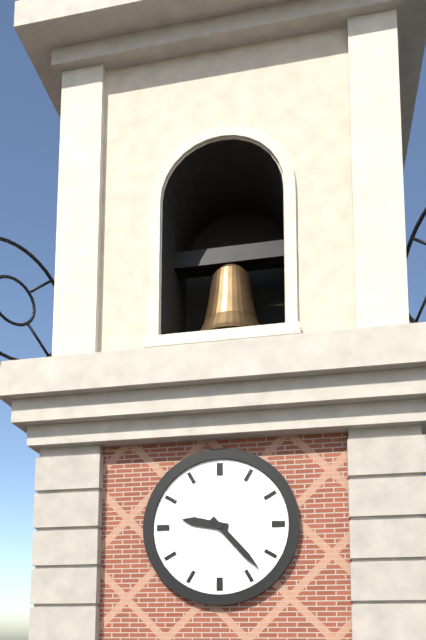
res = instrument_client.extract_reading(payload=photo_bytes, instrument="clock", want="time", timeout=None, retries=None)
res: 9:23
